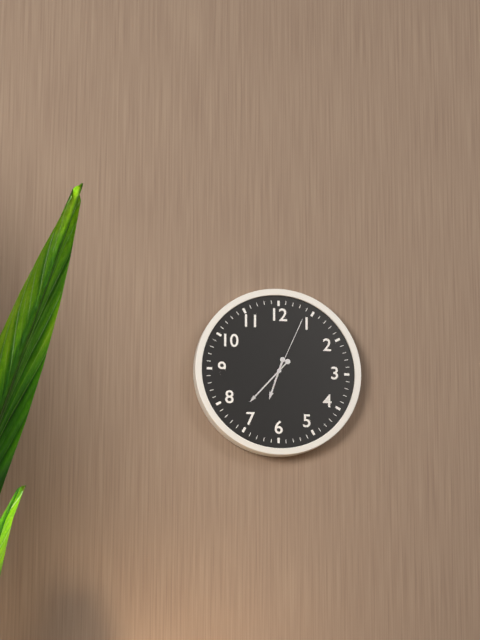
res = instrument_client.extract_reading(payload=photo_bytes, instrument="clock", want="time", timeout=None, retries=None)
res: 6:37:04
